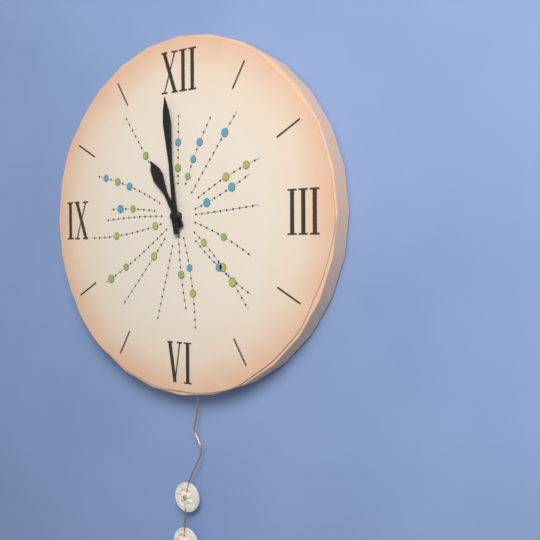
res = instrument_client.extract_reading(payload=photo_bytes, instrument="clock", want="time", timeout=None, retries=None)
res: 10:59
